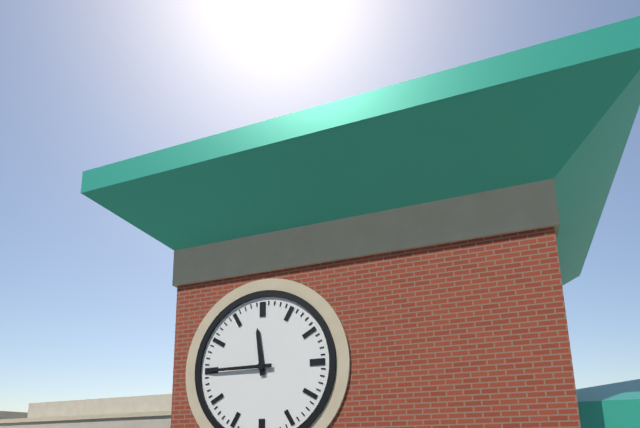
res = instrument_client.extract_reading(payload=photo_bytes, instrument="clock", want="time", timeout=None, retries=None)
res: 11:45
